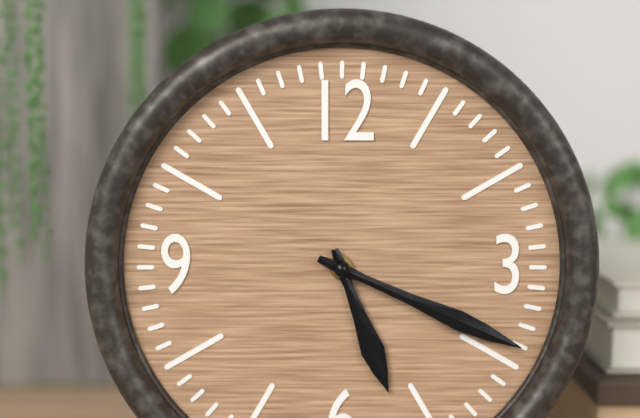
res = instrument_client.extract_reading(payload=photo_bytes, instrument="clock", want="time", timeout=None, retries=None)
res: 5:19
